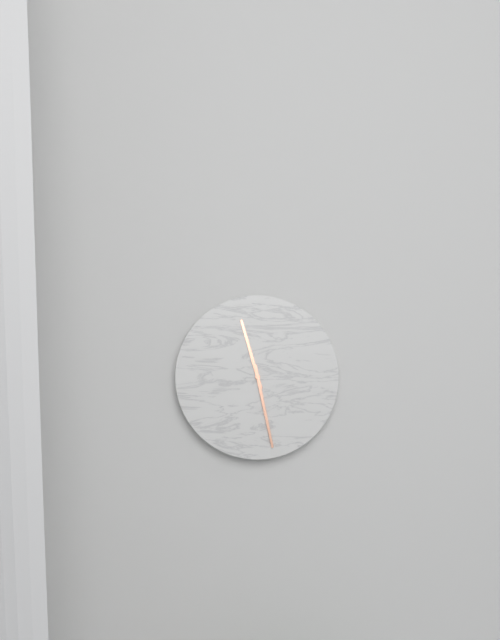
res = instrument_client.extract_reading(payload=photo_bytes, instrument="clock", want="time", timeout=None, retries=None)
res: 11:28
